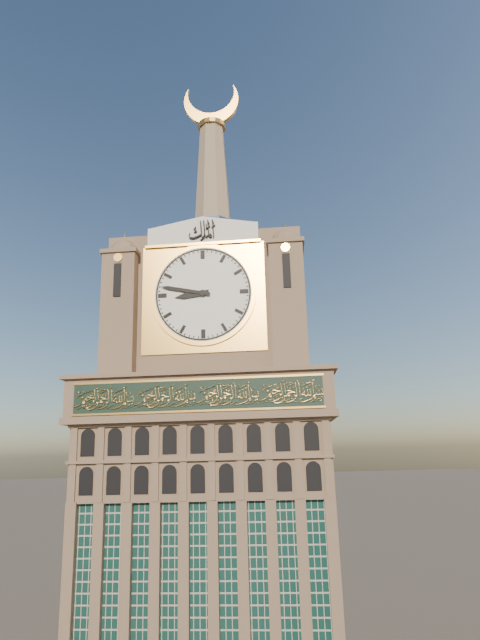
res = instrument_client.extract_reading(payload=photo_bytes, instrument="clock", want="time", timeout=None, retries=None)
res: 8:47
